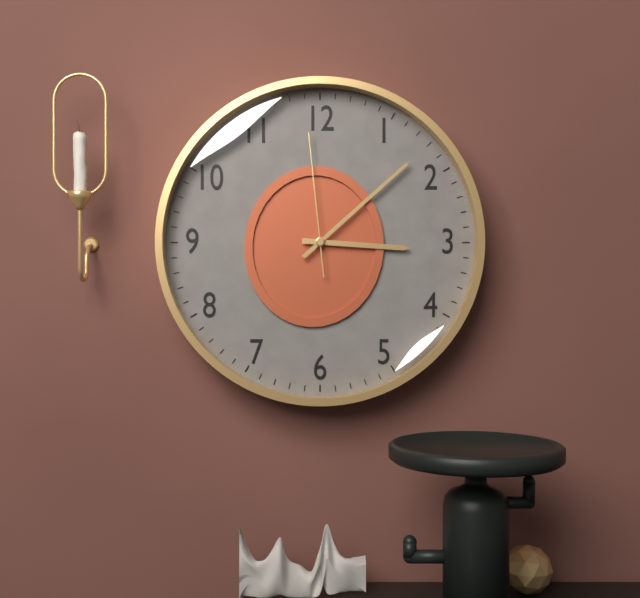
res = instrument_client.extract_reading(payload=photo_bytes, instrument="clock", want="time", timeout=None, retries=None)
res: 3:08:59
